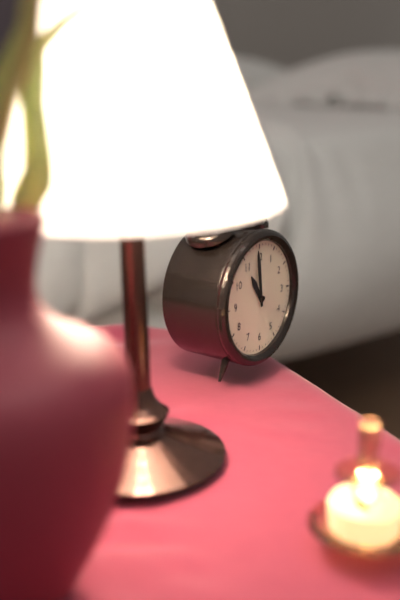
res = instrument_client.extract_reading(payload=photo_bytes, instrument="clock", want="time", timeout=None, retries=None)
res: 10:59
